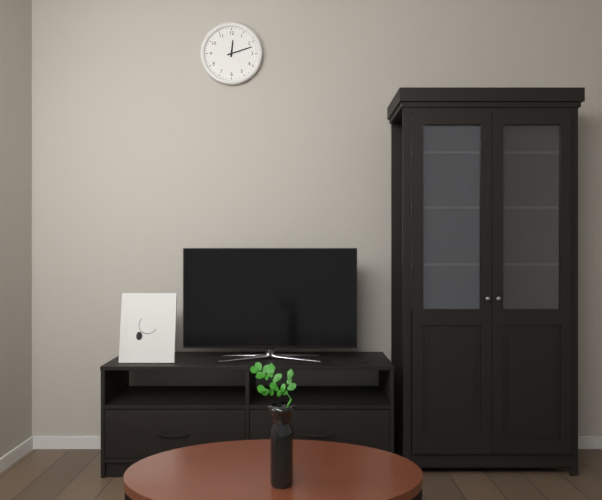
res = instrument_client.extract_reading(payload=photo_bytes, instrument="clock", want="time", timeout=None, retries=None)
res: 12:12
